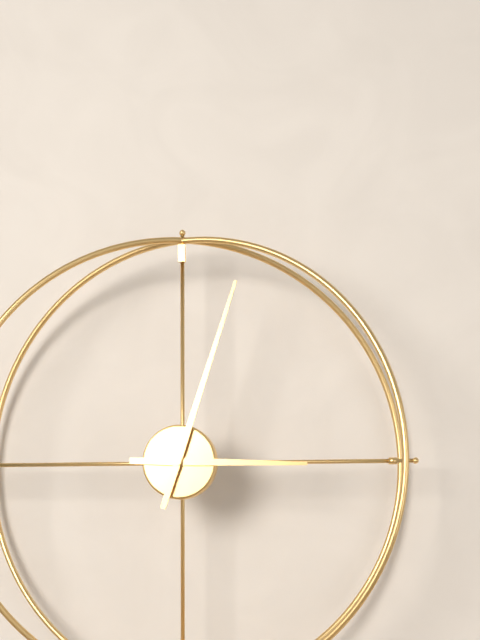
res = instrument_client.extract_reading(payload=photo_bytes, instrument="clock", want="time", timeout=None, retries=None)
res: 3:03
